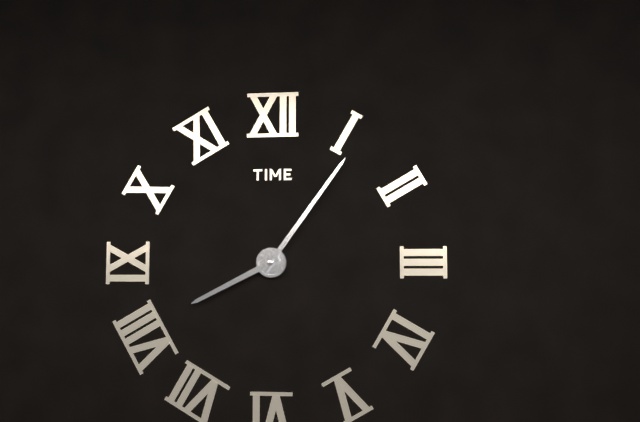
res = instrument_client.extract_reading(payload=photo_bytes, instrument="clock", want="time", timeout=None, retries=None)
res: 8:06
